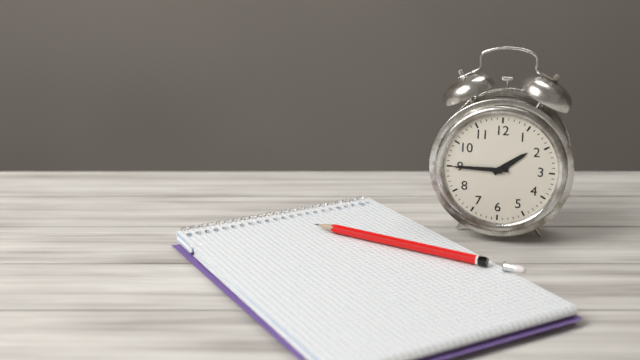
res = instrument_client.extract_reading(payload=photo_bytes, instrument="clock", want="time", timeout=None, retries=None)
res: 1:45
